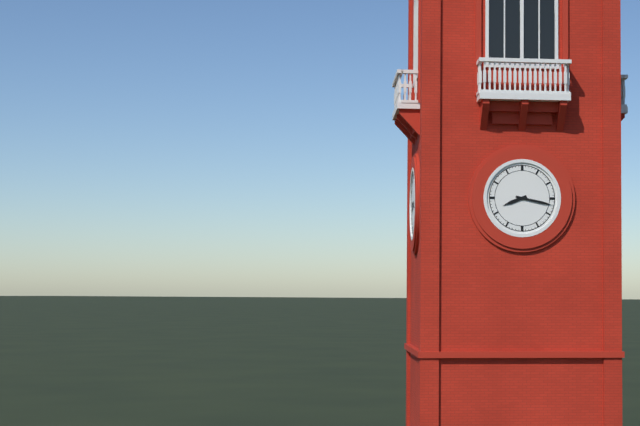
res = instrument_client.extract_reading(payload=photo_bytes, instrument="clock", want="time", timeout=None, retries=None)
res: 8:17
